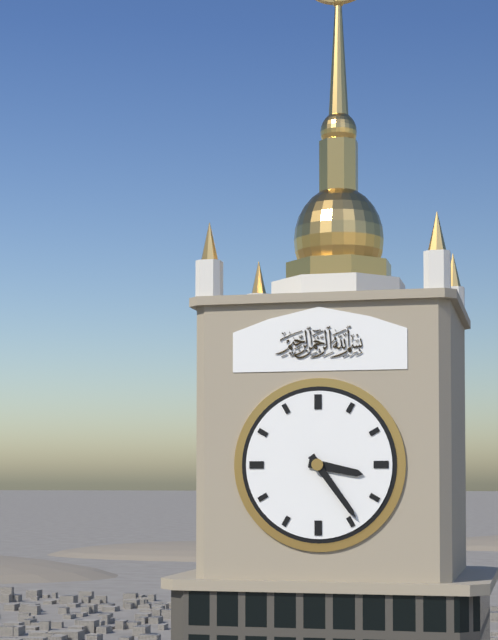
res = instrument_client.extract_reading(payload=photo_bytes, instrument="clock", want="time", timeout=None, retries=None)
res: 3:24
